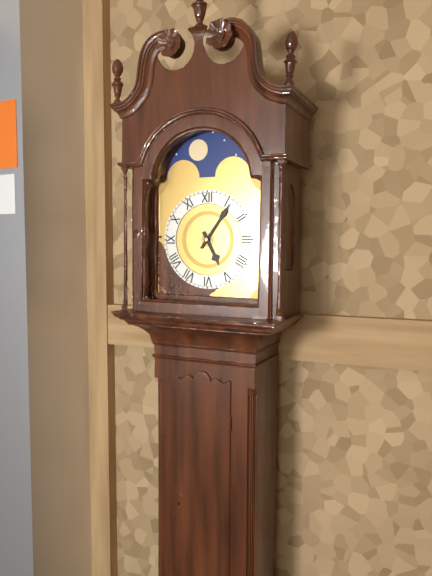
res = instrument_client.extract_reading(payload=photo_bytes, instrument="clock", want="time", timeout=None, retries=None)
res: 5:06
